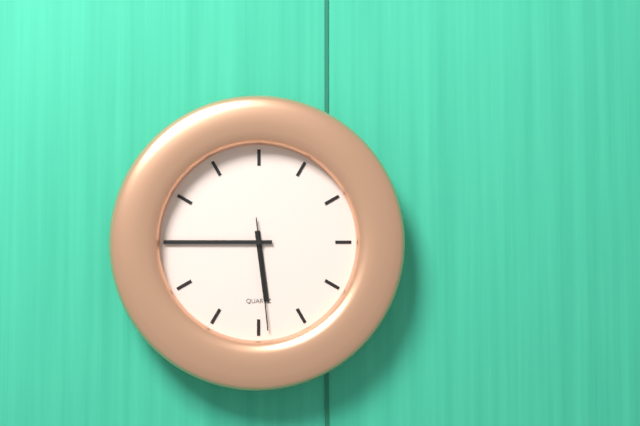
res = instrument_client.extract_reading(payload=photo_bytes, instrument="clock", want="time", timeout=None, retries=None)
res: 5:45:29
